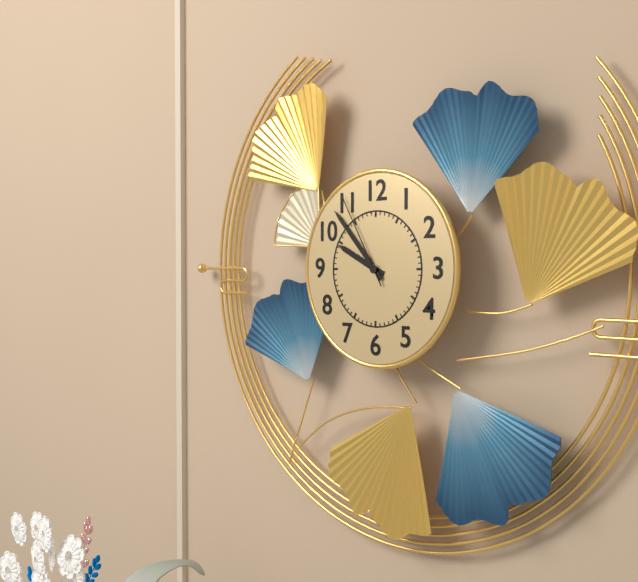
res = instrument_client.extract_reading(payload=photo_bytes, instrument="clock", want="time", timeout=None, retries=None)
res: 9:53:55
